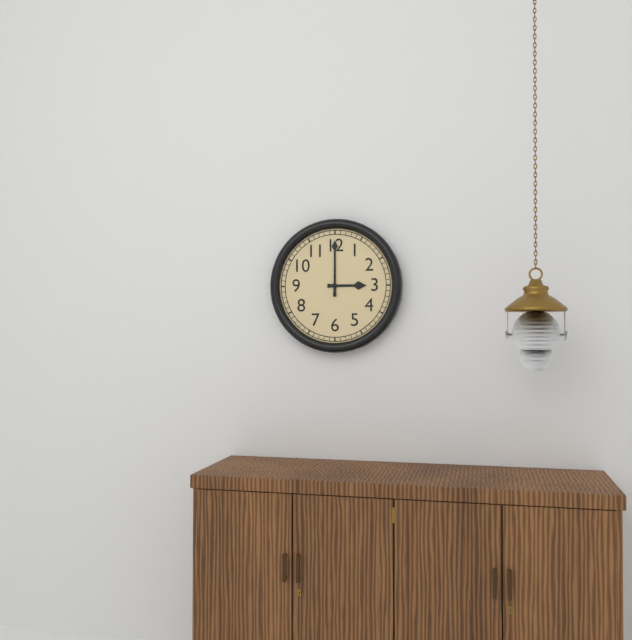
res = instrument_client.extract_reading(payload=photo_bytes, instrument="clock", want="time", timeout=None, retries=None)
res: 3:00
